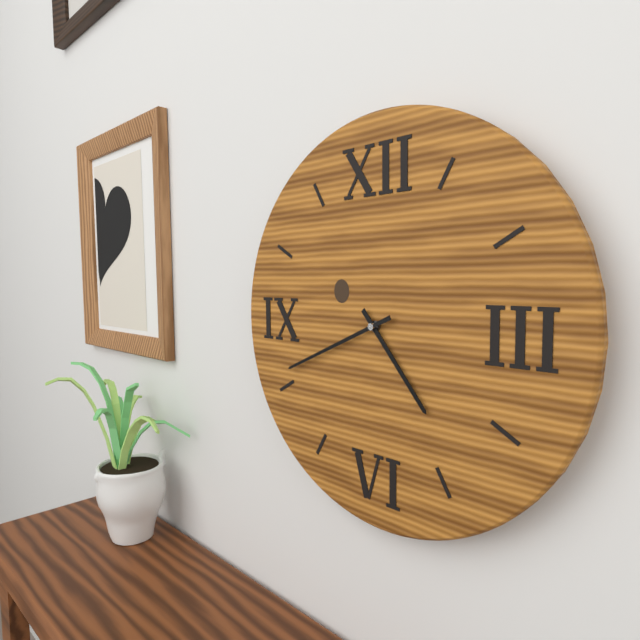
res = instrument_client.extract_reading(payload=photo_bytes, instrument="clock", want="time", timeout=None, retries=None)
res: 4:41
